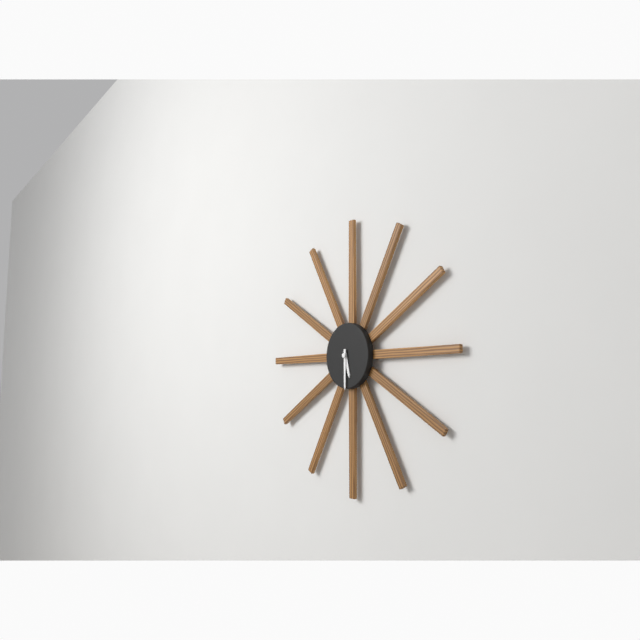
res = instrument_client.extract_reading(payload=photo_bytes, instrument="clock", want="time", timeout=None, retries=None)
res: 5:30
